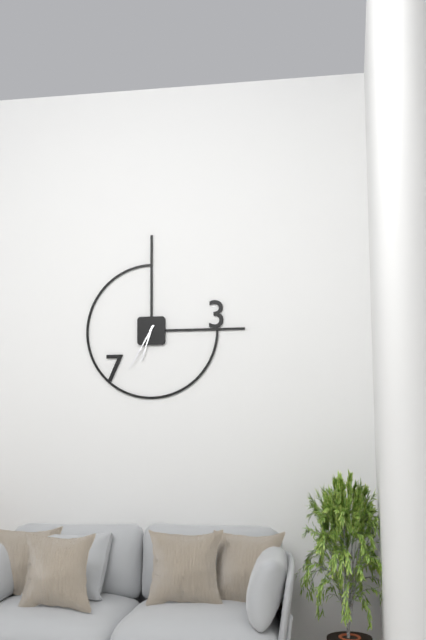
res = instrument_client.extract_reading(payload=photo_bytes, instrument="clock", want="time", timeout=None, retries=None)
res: 6:35
